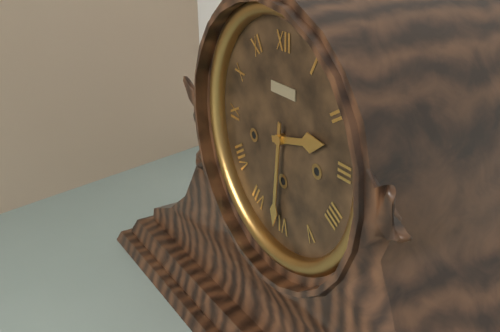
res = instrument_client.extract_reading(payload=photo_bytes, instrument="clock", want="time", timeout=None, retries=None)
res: 2:31
